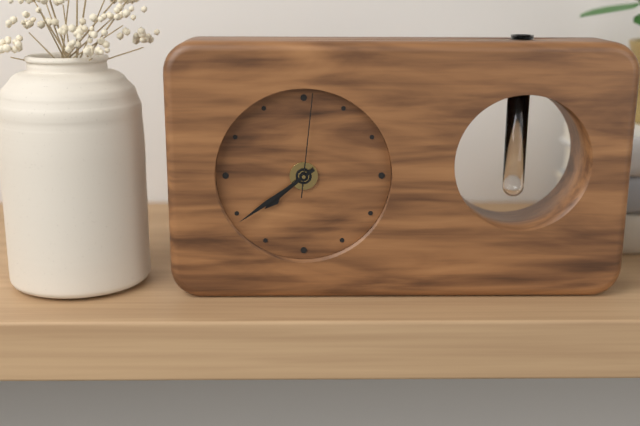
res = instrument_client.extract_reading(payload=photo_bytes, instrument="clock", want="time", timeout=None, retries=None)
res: 7:39:01
